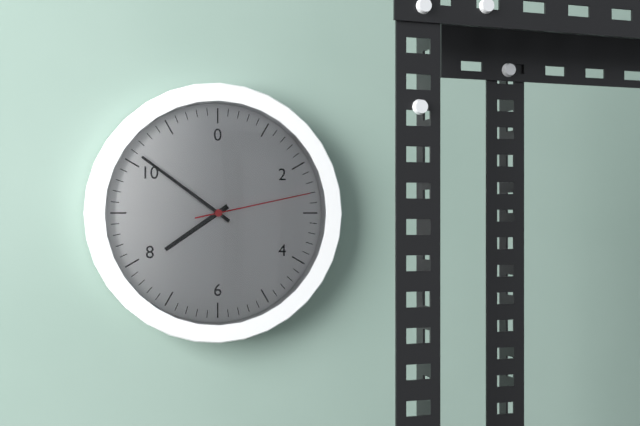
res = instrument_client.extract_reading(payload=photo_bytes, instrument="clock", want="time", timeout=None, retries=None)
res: 7:51:13
